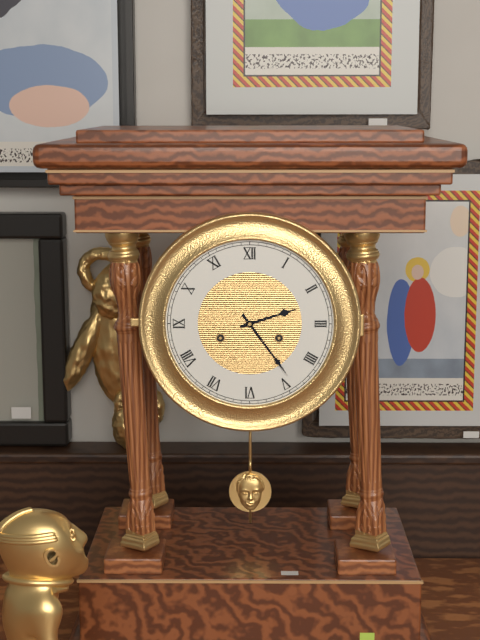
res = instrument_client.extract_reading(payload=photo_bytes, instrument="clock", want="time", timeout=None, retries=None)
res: 2:24
